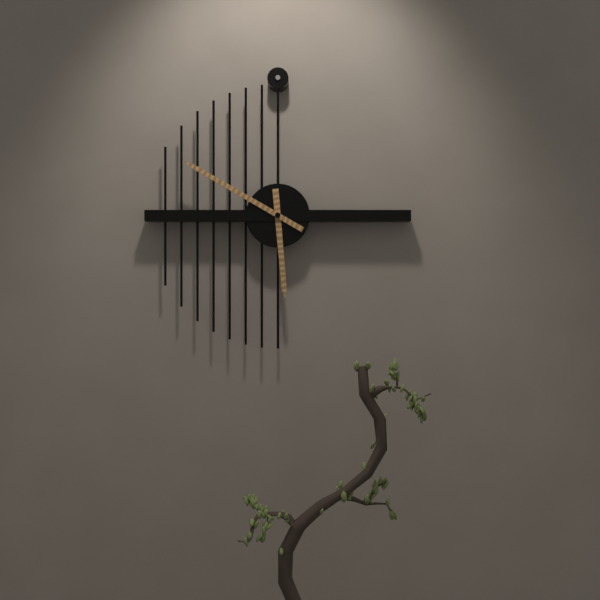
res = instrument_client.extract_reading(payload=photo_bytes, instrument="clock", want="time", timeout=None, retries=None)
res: 5:50
